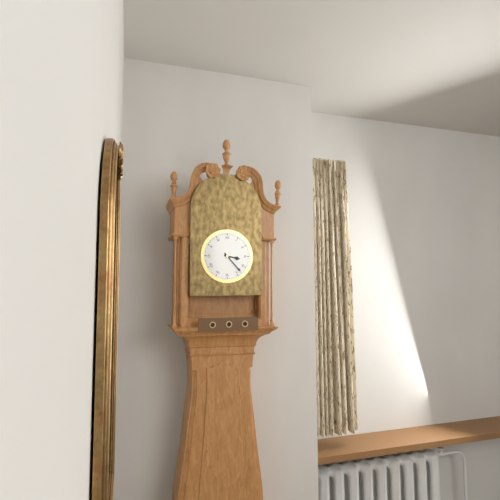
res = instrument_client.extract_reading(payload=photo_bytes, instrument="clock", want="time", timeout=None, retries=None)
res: 3:23
